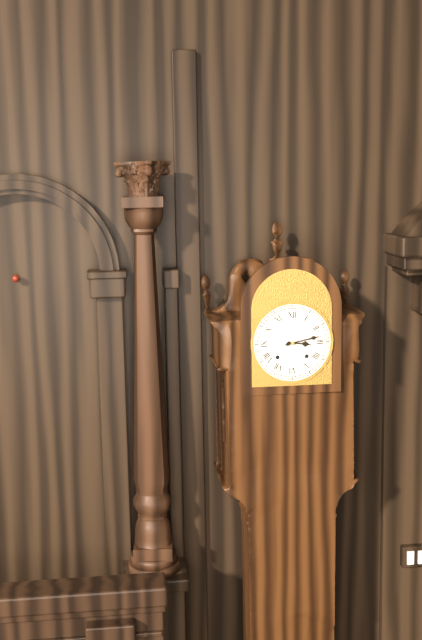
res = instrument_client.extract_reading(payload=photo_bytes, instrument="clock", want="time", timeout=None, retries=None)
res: 3:13
